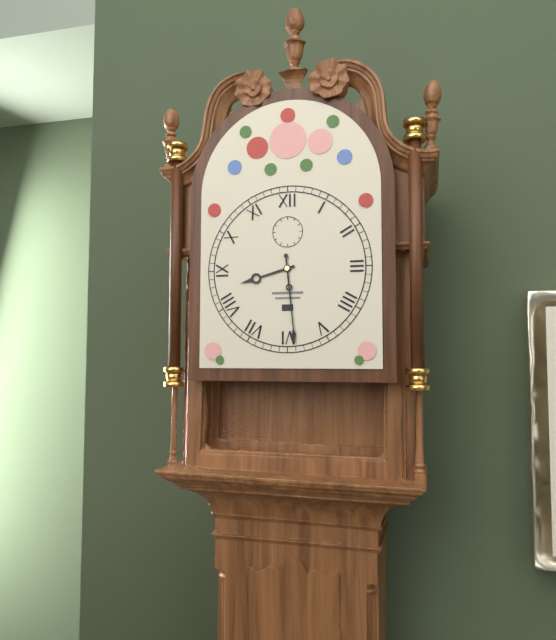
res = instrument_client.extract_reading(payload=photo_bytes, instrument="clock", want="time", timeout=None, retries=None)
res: 8:29
